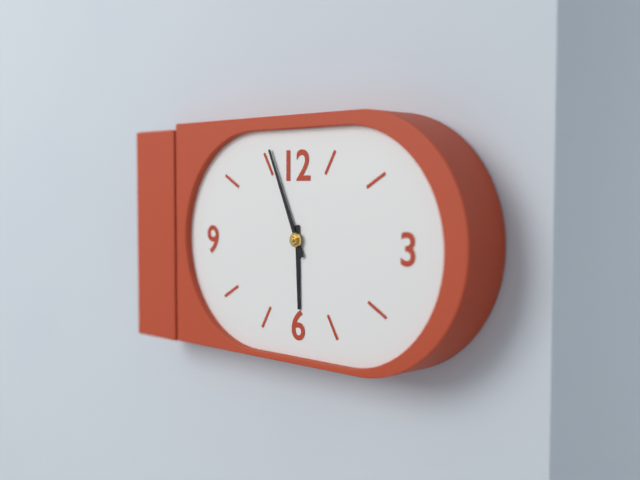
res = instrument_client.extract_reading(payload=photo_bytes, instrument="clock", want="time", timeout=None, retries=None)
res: 5:56
